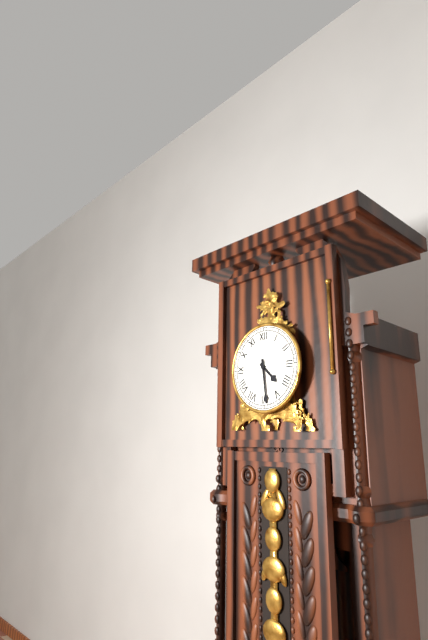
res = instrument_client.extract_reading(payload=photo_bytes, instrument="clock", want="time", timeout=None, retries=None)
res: 4:29
